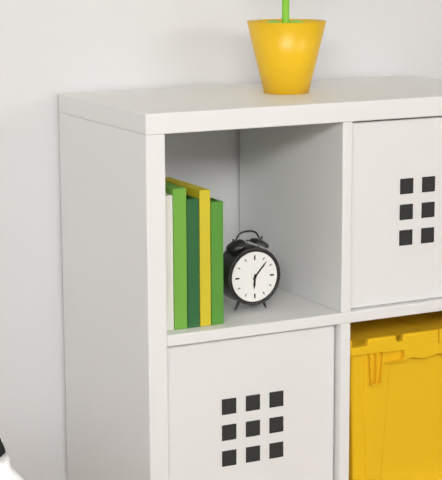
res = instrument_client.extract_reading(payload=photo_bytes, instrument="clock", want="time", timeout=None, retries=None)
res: 6:07
